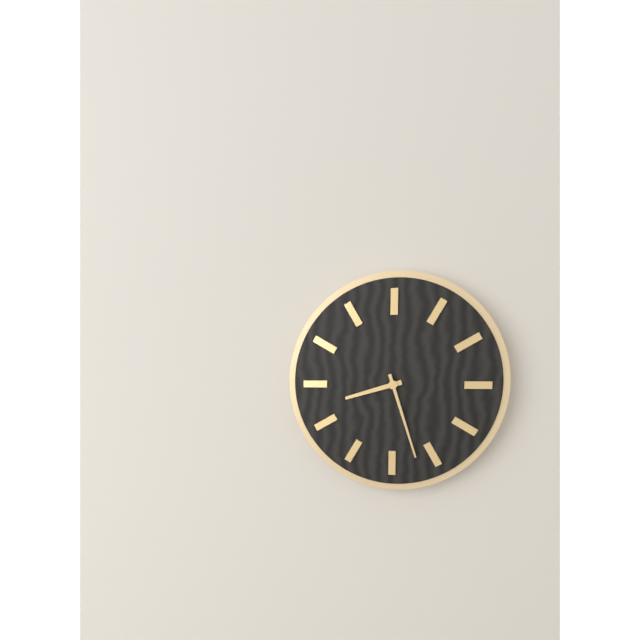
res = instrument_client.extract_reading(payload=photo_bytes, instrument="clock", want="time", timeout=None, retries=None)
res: 8:27
